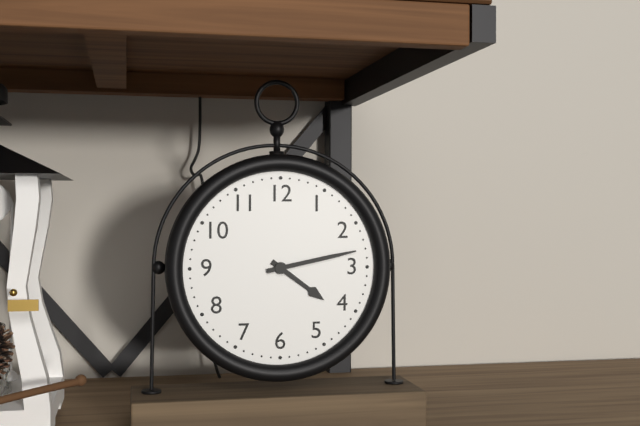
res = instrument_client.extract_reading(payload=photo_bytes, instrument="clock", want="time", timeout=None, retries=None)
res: 4:13
